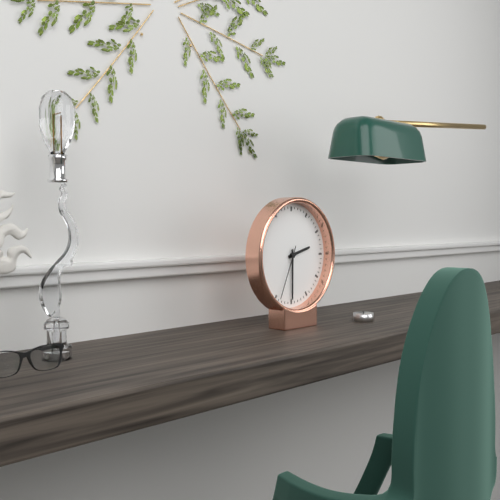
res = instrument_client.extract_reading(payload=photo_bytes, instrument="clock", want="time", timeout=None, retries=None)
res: 2:30:34
